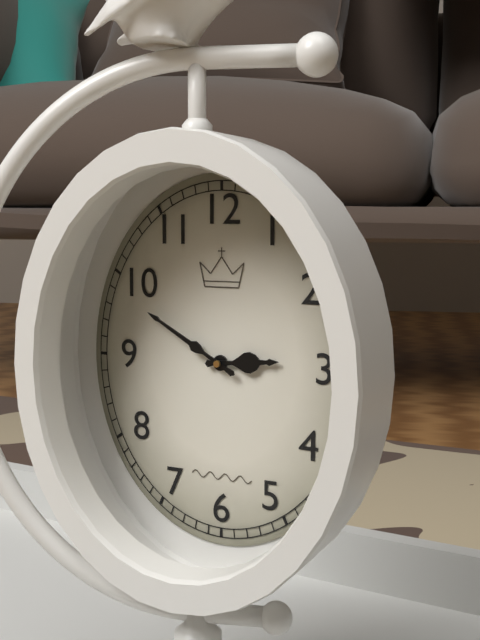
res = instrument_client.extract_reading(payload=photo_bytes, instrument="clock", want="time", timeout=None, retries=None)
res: 2:50
